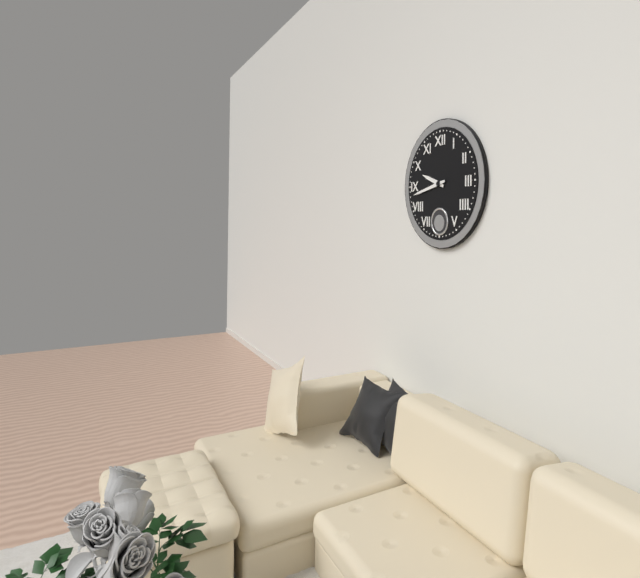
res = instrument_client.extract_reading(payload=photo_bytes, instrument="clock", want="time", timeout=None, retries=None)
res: 9:43
